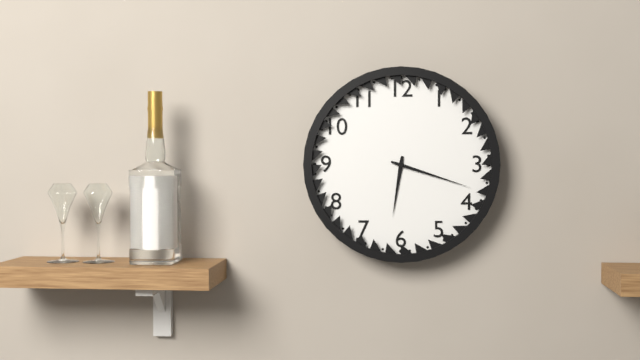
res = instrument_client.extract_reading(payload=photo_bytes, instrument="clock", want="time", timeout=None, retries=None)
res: 6:18
